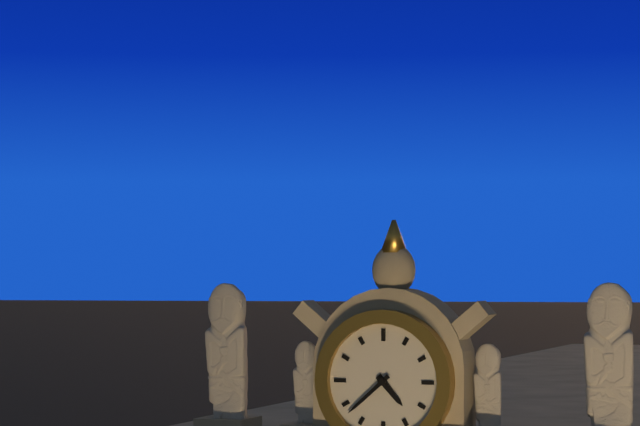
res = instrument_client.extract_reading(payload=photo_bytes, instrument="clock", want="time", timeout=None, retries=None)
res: 4:38
